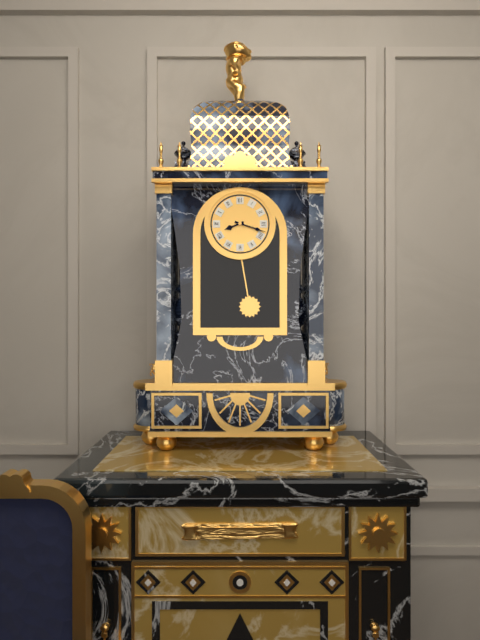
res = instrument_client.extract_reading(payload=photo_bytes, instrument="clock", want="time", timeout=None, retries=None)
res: 8:18
